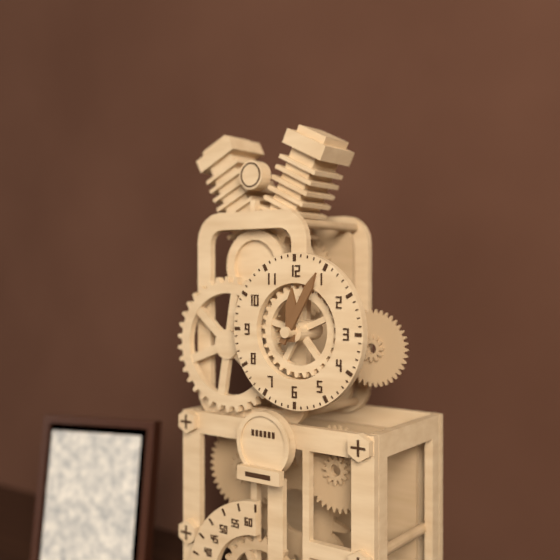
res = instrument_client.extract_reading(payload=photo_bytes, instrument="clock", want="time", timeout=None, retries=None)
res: 12:05
